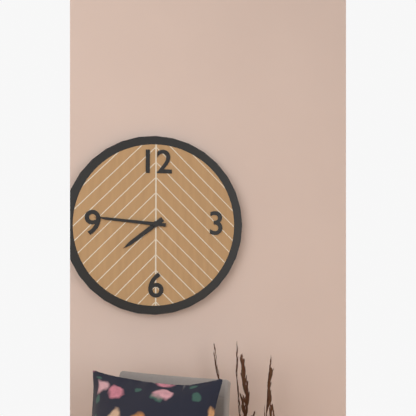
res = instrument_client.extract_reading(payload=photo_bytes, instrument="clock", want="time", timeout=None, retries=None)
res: 7:46
